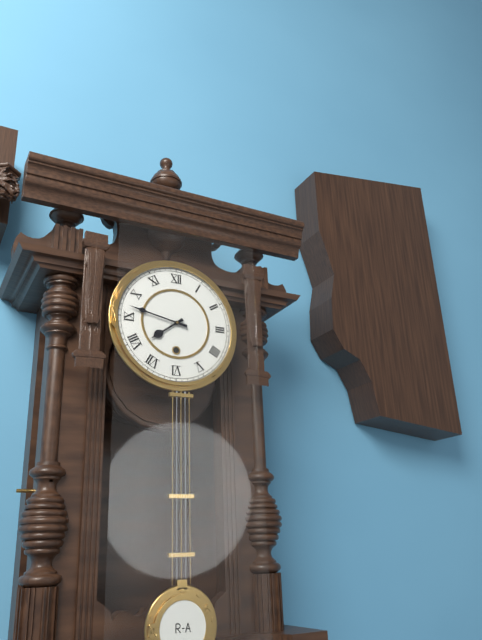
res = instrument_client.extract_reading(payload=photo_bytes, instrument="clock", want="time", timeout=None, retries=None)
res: 7:47
